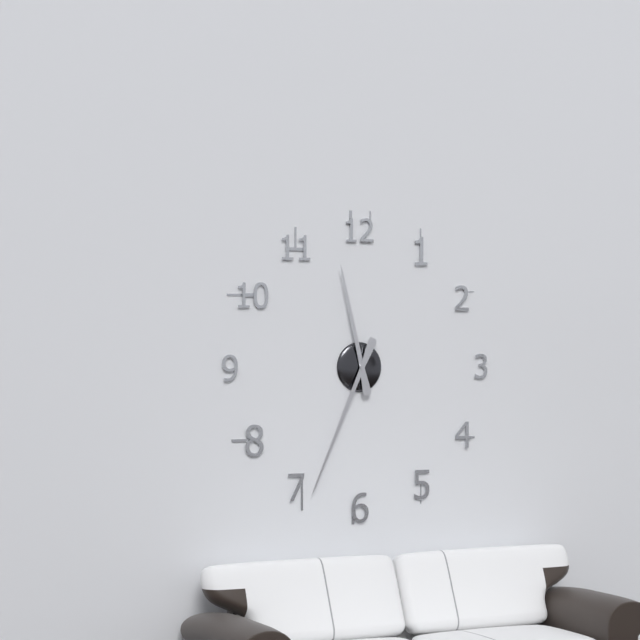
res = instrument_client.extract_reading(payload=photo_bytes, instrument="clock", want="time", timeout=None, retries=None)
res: 11:34
